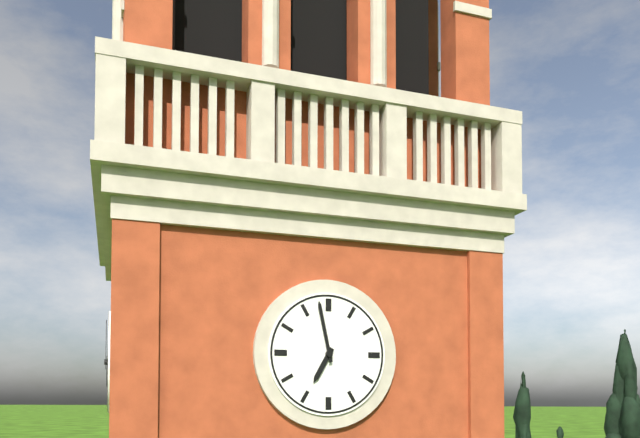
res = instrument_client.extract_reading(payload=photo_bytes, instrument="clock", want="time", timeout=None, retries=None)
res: 6:58
